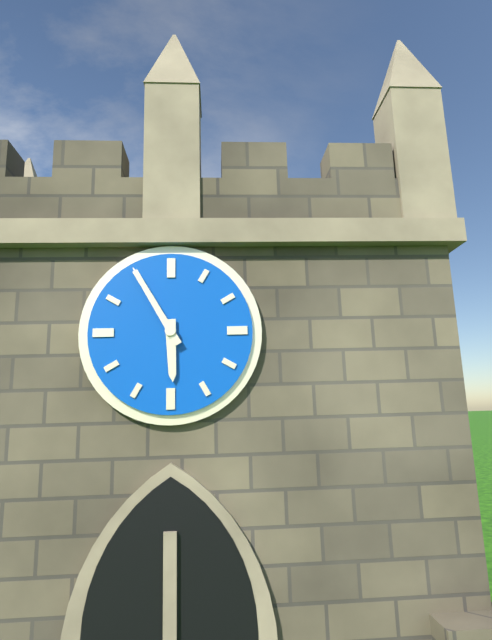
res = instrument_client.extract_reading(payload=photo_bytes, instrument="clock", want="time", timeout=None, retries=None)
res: 5:55
